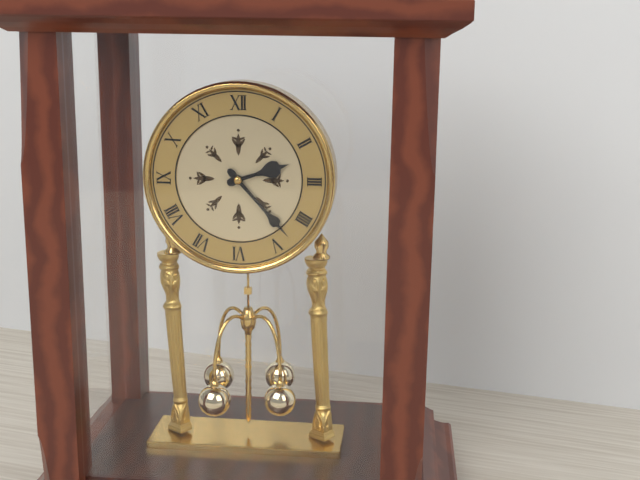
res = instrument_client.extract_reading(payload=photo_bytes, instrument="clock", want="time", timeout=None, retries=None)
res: 2:23
